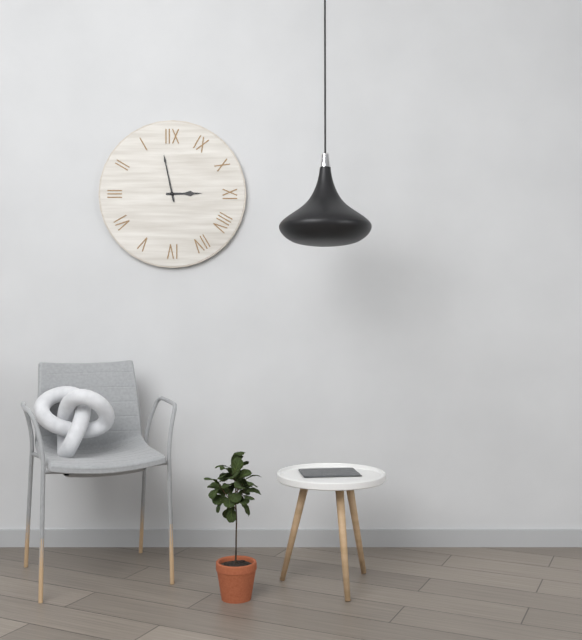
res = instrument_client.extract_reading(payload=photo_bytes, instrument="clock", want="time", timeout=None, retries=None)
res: 2:58
